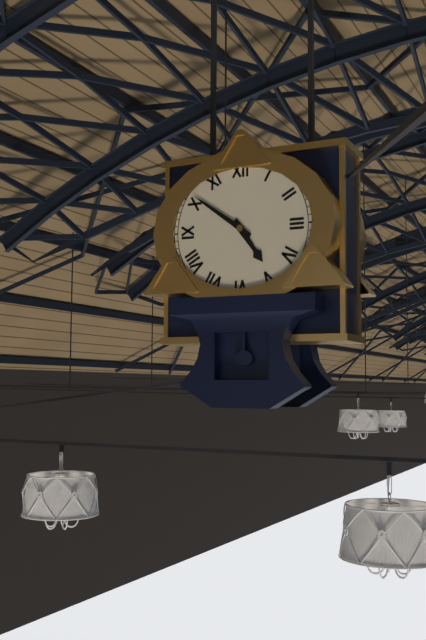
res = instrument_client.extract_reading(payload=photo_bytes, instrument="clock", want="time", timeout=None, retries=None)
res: 4:51
